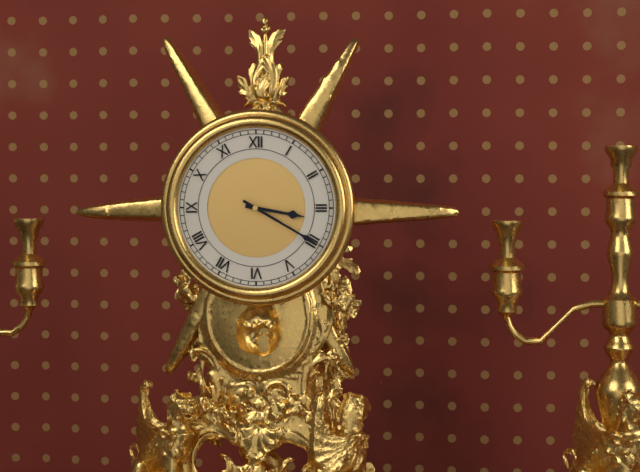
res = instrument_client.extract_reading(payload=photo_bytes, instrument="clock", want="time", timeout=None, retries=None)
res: 3:20
